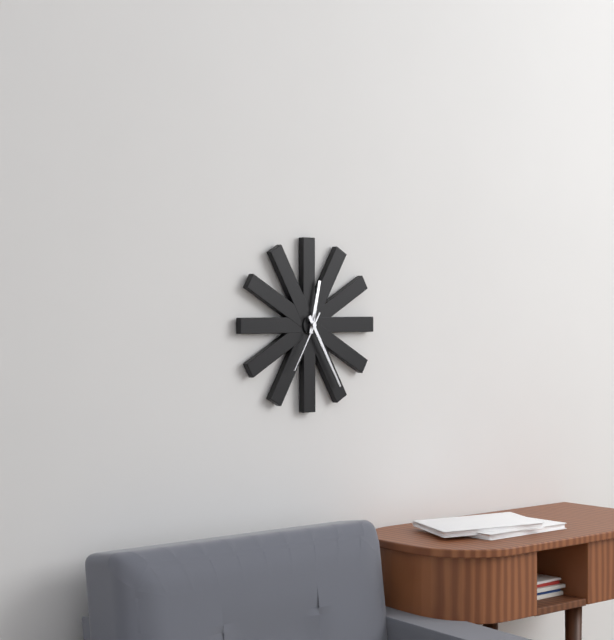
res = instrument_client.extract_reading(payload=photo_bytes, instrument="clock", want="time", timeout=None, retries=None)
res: 12:25:35
